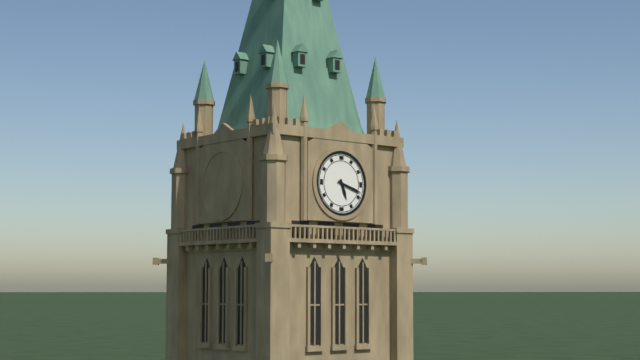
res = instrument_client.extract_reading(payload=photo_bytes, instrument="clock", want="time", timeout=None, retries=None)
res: 5:18
